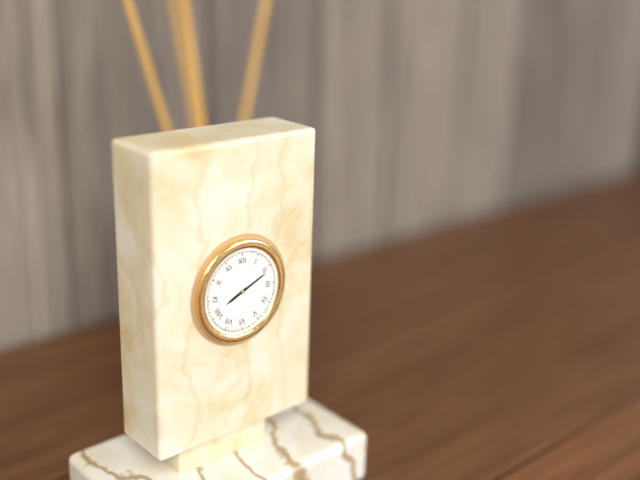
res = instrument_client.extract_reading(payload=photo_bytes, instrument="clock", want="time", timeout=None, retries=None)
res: 8:11
